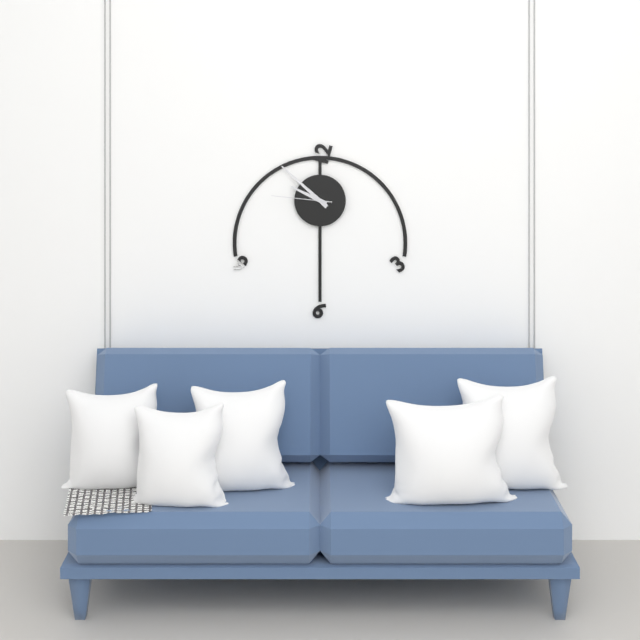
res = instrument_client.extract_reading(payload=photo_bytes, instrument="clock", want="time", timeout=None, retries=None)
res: 9:52:46
